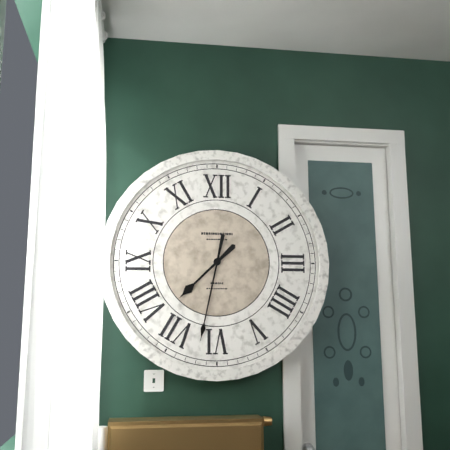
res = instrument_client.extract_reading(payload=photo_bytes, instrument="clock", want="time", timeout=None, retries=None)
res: 7:32
